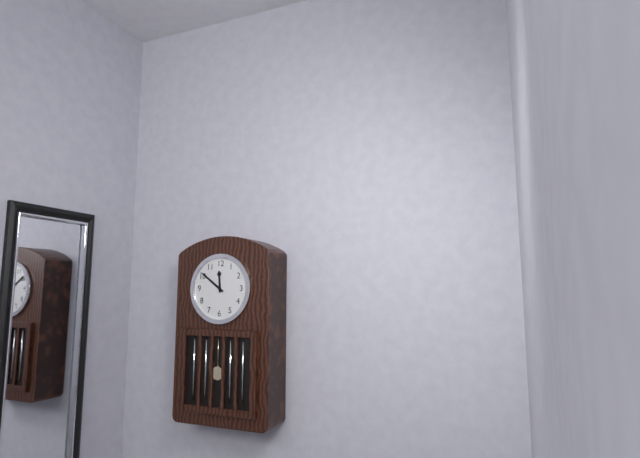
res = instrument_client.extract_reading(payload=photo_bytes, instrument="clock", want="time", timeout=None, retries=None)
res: 11:51
